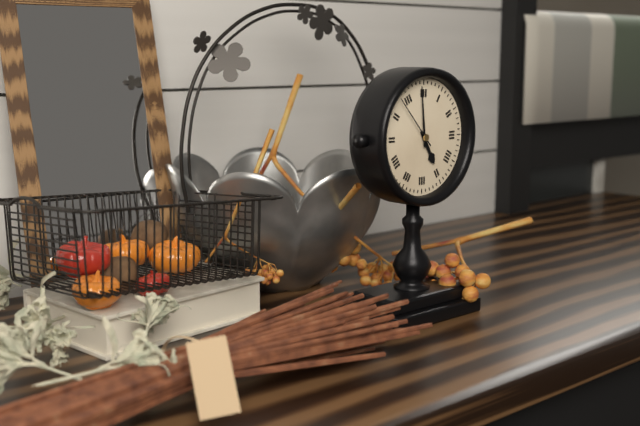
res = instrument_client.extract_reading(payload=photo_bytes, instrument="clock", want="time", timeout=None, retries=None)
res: 4:59:53
